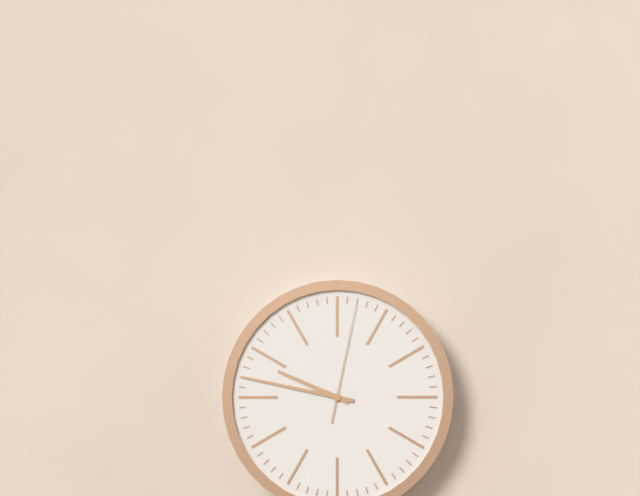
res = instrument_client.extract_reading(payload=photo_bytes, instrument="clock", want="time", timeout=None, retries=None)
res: 9:47:02
